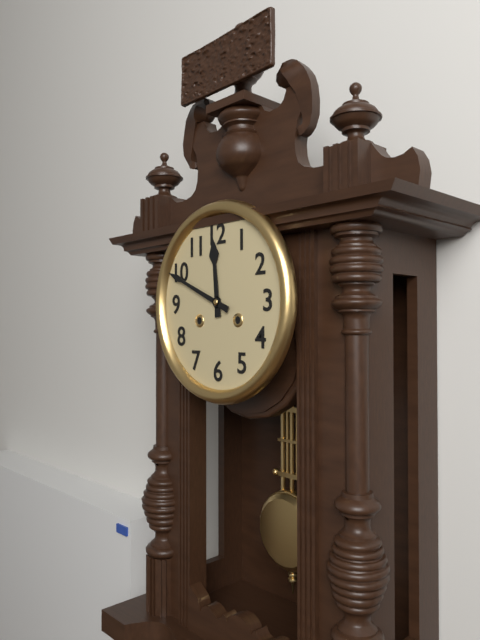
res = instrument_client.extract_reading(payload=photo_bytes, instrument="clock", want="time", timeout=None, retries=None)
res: 11:49
